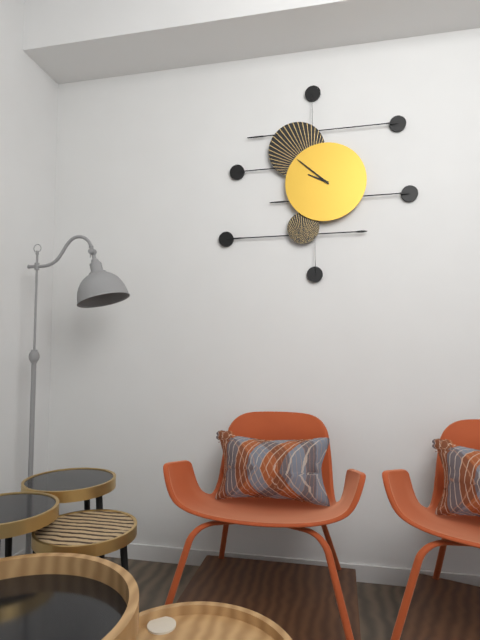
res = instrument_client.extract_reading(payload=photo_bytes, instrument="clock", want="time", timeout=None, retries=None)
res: 9:52
